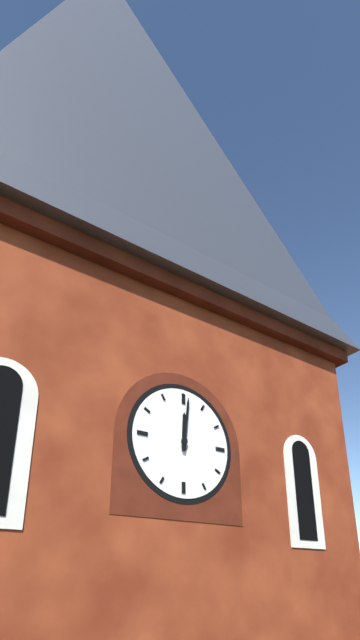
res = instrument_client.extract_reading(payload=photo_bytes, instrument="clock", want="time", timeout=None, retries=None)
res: 12:01
